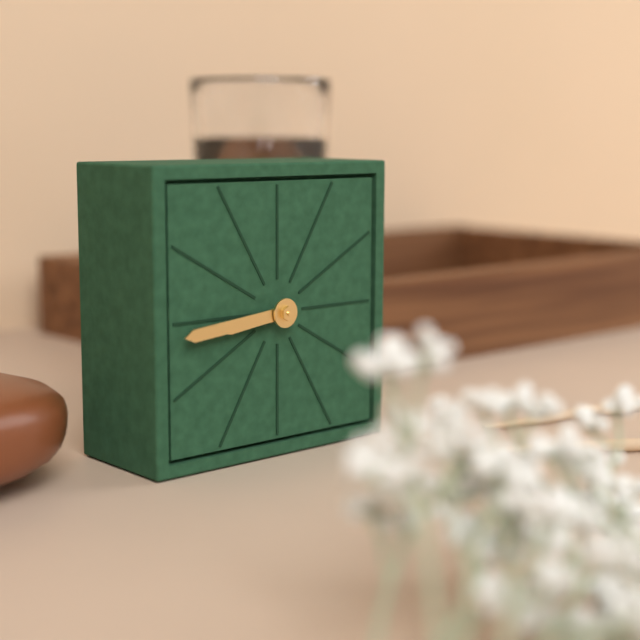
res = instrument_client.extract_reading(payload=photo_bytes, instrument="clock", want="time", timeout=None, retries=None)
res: 8:44
